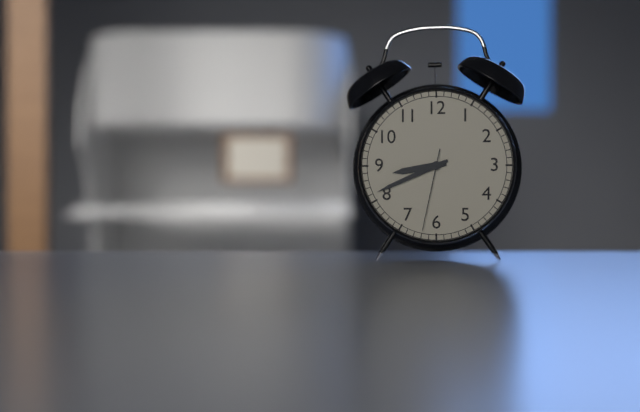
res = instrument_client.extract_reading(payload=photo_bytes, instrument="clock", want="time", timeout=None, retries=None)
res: 8:41:32
